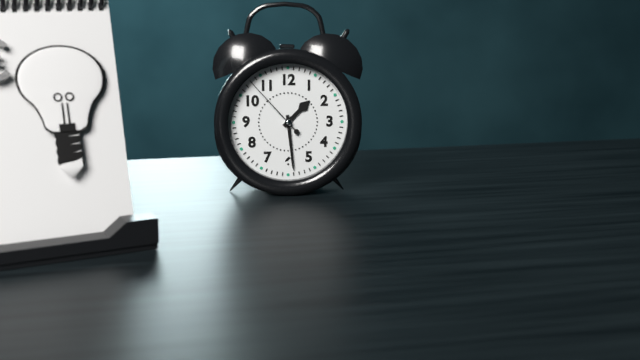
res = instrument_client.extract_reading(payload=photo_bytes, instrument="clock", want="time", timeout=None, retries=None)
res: 1:29:53
